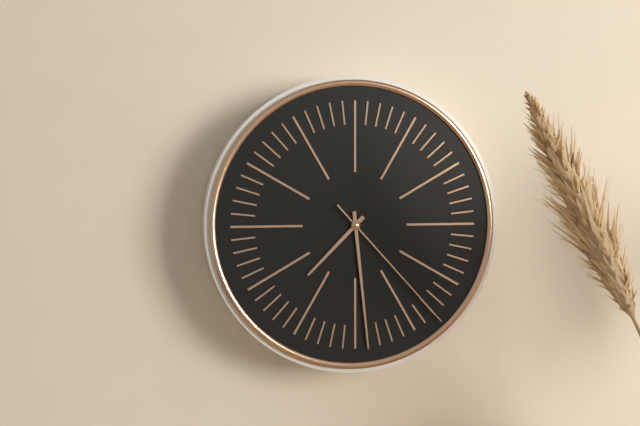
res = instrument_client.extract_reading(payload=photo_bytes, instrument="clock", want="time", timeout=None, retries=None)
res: 7:29:23
